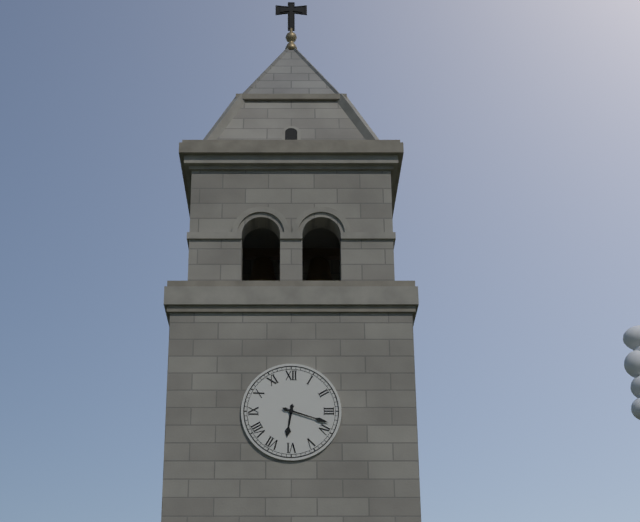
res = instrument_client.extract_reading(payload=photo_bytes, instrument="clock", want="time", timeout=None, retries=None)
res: 6:18
